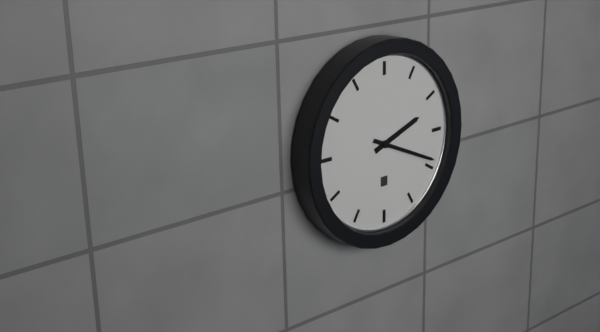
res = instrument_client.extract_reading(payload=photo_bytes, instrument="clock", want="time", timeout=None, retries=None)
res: 2:19
